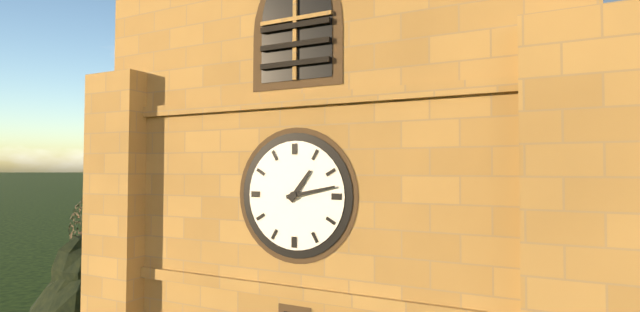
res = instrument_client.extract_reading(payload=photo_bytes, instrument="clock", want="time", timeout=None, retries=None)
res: 1:13
